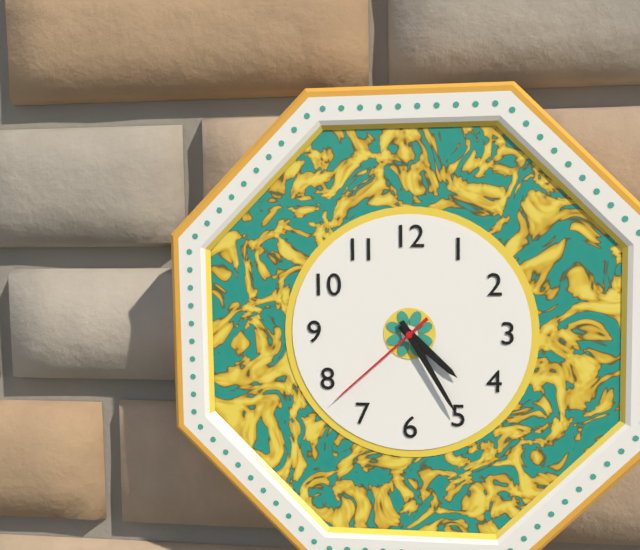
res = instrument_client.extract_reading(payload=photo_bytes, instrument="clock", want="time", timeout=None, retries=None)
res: 4:25:38
